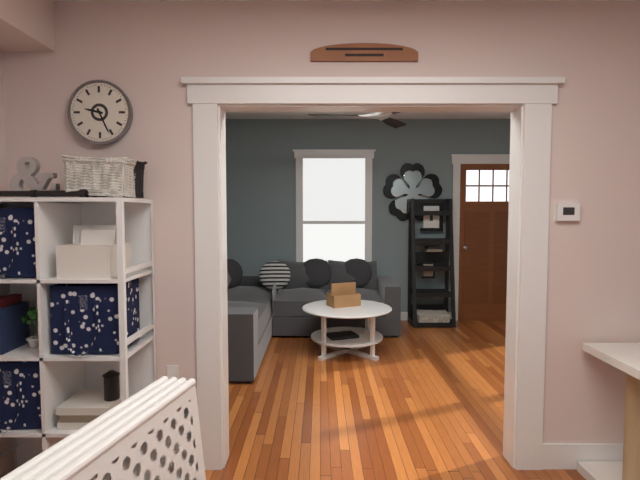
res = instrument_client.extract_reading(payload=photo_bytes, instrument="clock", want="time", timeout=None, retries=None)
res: 9:26
